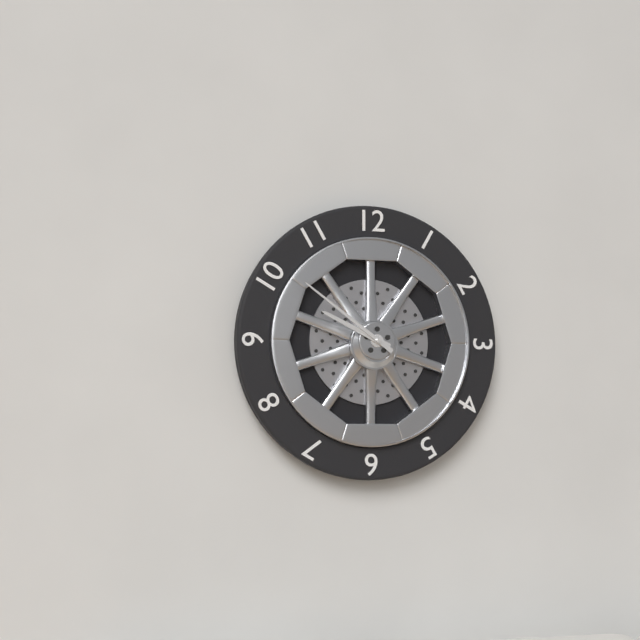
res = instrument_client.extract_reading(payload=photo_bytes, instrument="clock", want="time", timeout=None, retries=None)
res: 9:51
